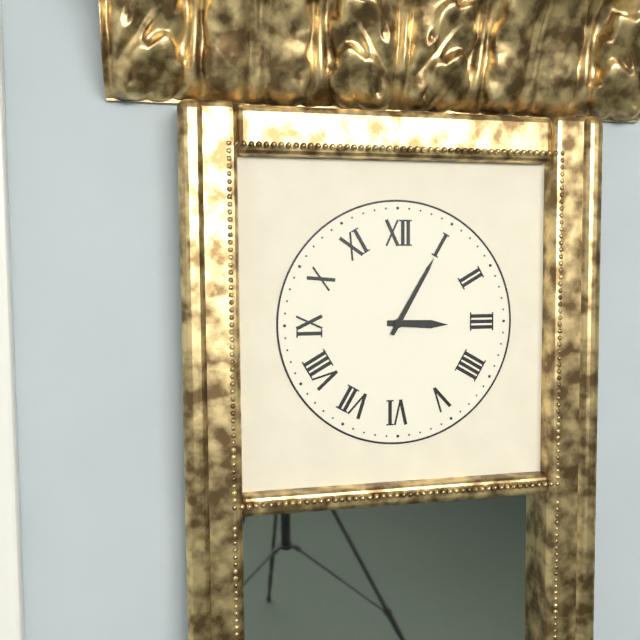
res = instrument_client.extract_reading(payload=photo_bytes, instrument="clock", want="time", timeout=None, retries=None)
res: 3:05
